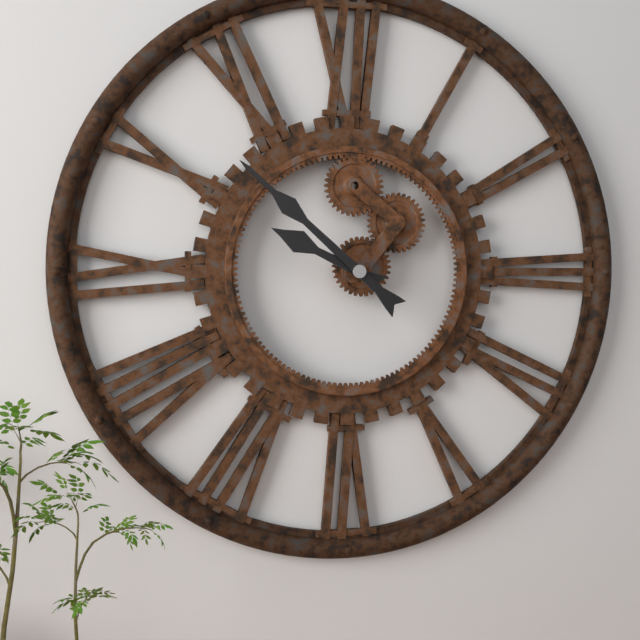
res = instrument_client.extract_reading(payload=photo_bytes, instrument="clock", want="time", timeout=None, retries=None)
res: 9:52
